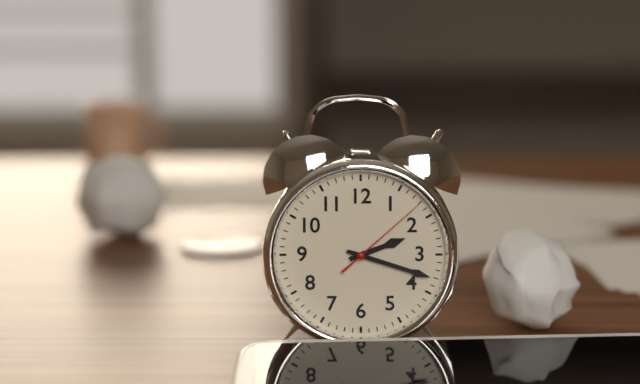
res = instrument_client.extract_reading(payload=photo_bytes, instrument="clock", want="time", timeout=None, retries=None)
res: 2:18:08
